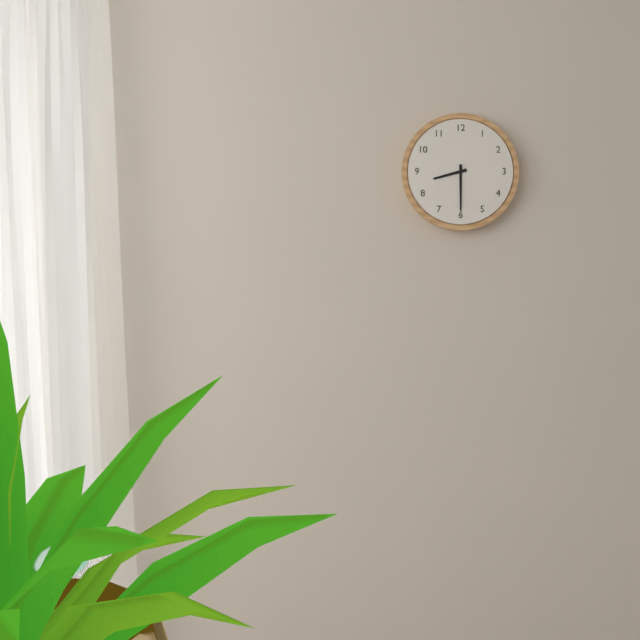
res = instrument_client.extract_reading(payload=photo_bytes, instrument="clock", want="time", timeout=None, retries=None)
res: 8:30
